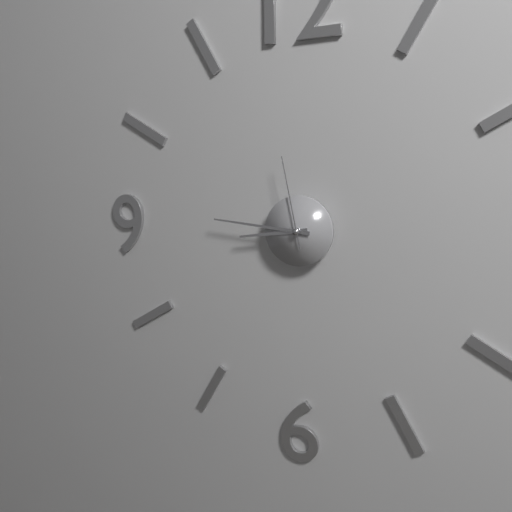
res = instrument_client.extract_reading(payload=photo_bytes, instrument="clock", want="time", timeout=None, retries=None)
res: 8:46:58
